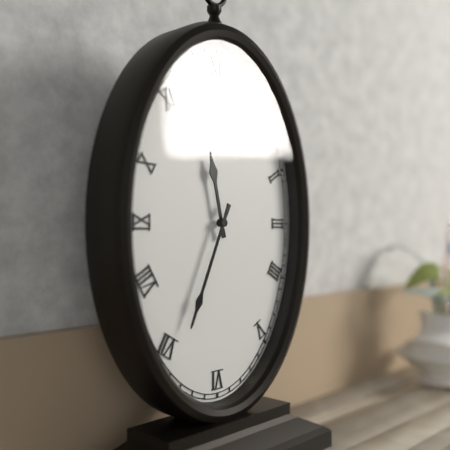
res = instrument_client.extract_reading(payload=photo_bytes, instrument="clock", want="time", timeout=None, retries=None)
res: 11:34
